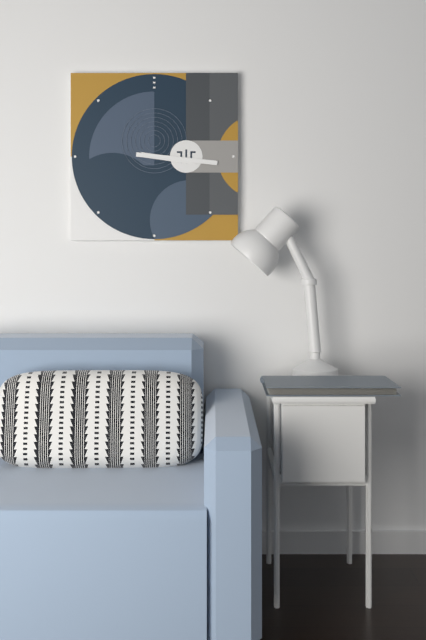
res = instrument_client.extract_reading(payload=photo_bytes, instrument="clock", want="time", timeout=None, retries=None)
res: 3:16
